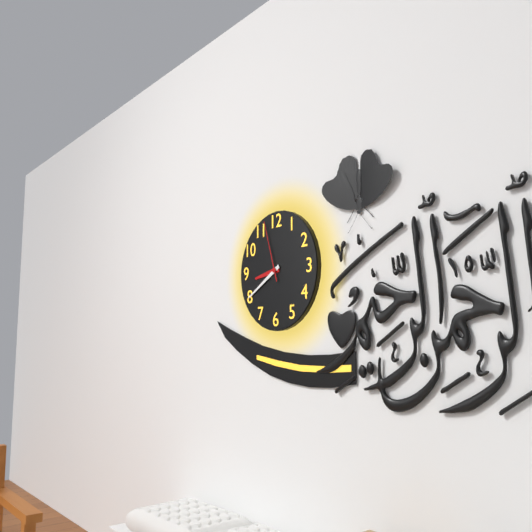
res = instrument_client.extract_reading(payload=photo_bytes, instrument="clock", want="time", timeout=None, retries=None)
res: 8:40:57
